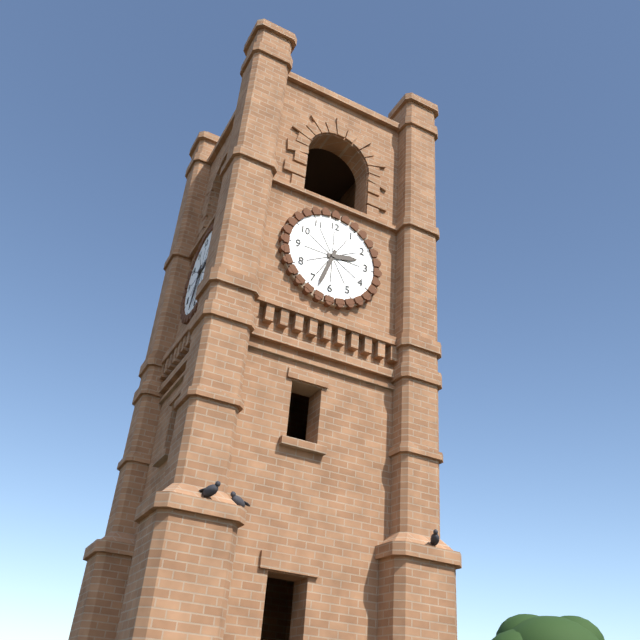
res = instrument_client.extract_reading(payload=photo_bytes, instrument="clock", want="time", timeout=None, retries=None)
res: 2:33
